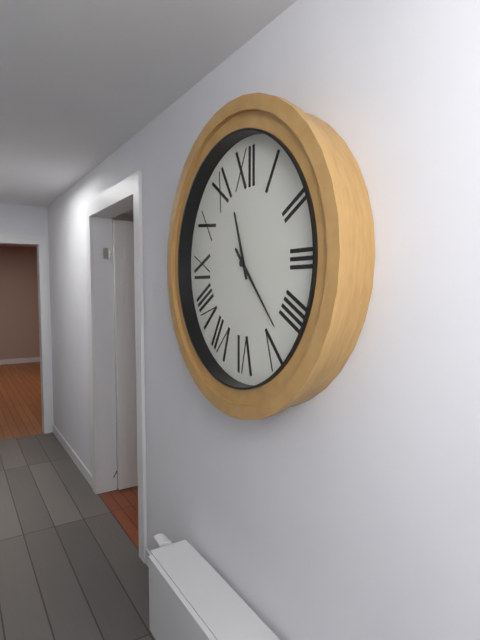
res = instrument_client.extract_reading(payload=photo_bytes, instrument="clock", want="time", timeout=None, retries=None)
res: 11:23
